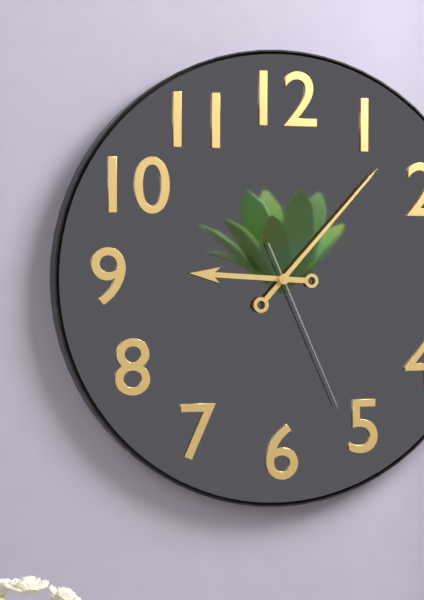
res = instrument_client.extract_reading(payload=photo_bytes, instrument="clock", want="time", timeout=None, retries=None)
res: 9:07:26
